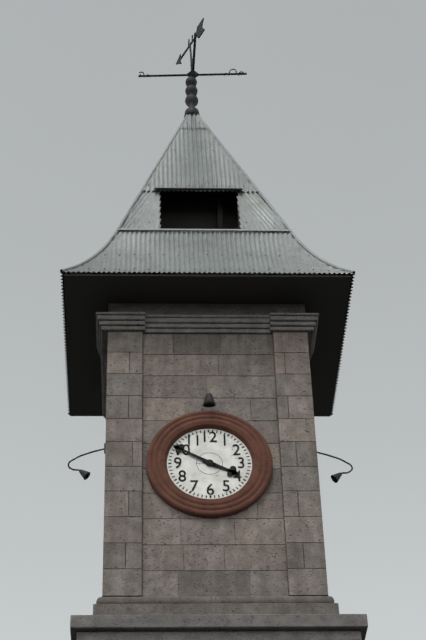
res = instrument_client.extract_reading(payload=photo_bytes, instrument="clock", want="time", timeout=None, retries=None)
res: 3:50
